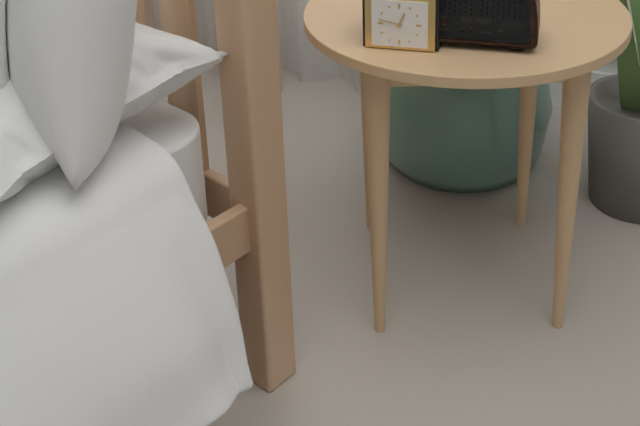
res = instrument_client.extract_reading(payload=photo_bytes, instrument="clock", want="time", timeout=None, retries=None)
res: 12:47
